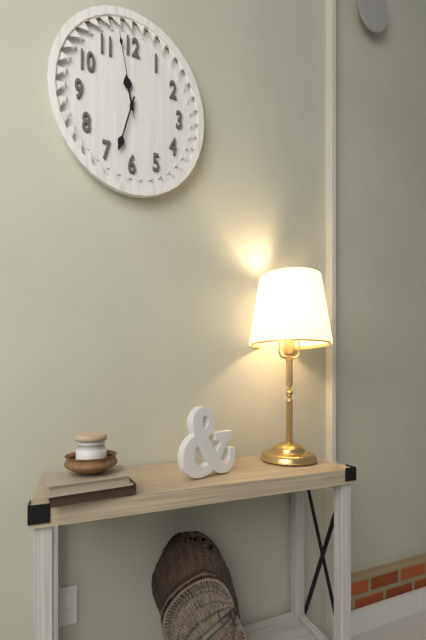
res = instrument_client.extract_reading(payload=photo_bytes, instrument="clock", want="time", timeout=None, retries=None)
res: 11:33:58
